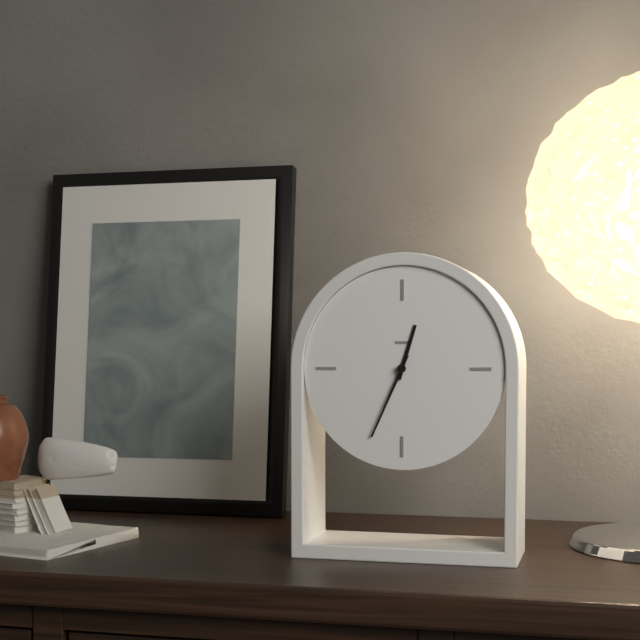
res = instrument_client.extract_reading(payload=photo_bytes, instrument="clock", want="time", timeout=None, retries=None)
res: 12:34
